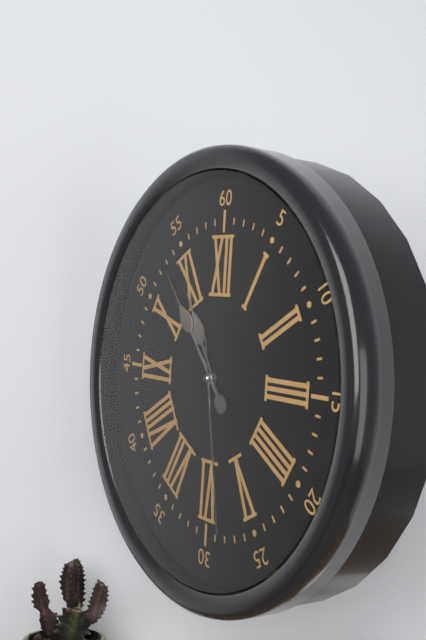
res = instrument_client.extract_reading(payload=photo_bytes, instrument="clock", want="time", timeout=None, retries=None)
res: 10:53:28
